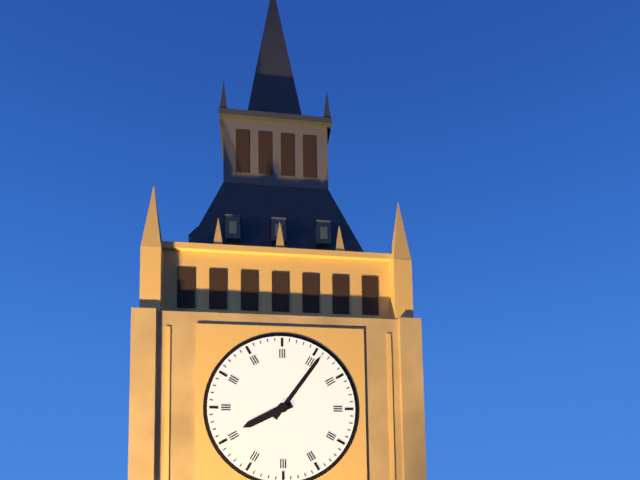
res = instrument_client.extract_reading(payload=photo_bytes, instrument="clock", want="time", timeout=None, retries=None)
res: 8:06
